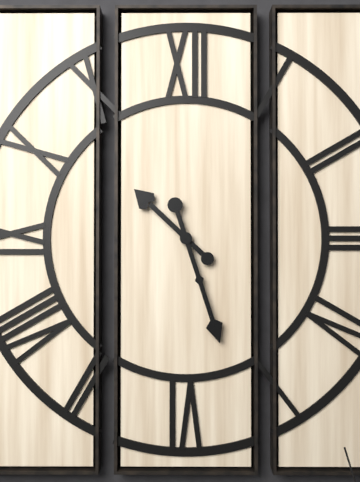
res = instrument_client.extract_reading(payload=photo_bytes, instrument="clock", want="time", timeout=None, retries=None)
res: 10:27
